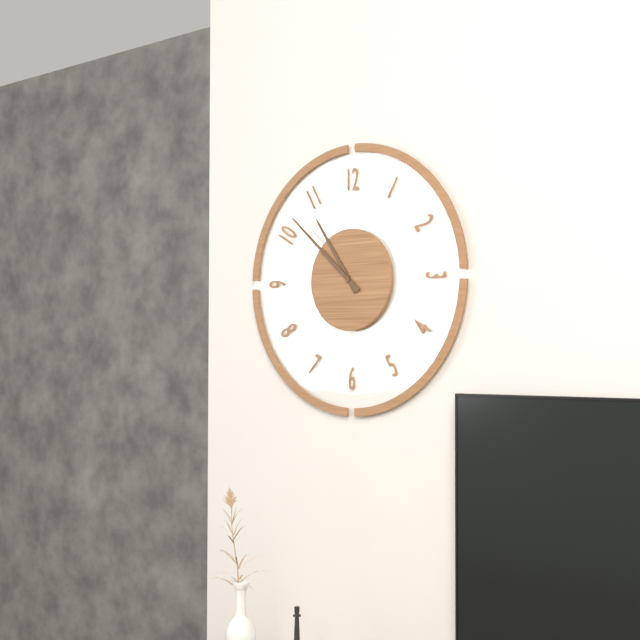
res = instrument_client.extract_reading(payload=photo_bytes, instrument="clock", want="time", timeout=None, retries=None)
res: 10:52
